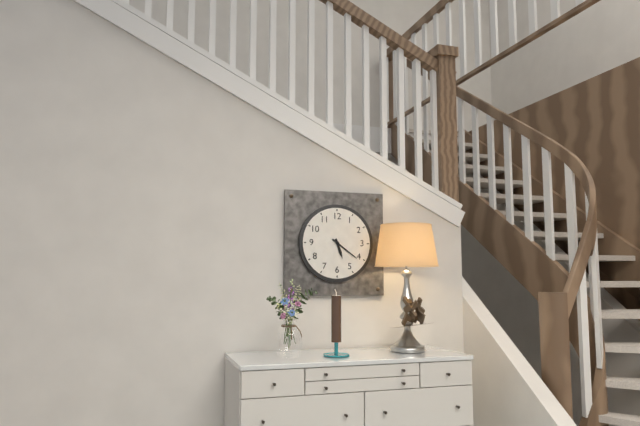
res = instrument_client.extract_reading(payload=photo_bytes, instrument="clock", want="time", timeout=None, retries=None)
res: 5:21
